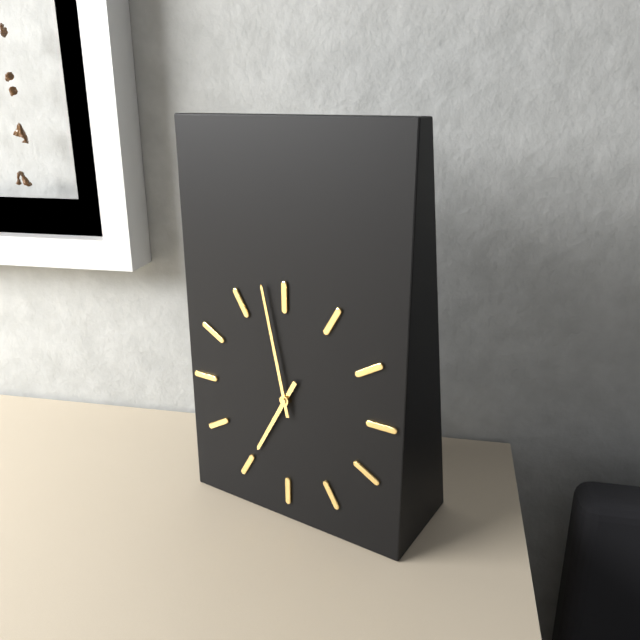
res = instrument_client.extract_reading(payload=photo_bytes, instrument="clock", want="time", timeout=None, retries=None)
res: 6:58
